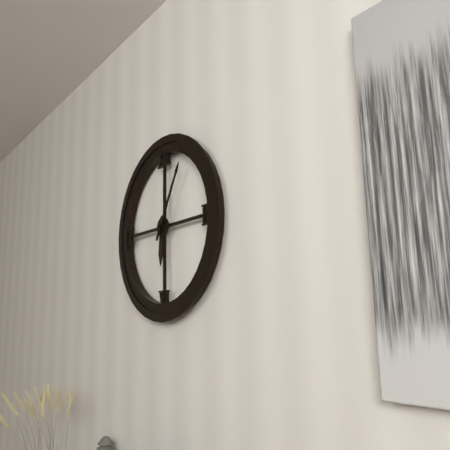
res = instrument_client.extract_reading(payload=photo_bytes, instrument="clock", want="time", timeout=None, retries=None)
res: 6:05
